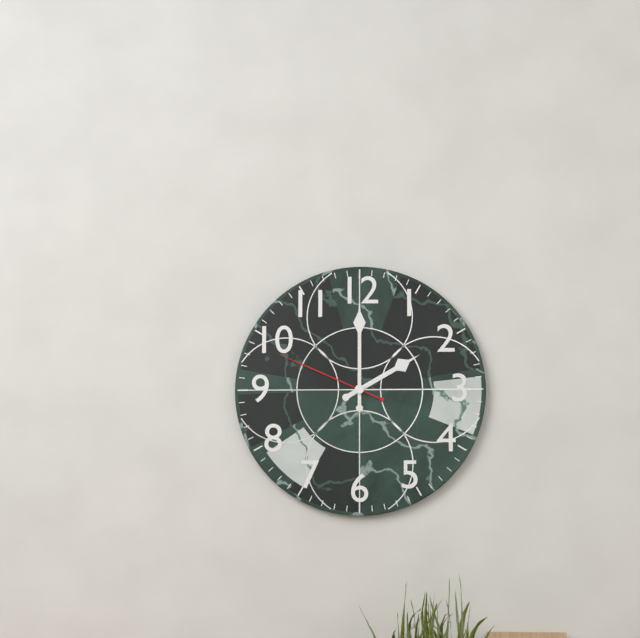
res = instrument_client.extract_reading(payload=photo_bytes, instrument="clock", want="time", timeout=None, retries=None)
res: 2:00:49
